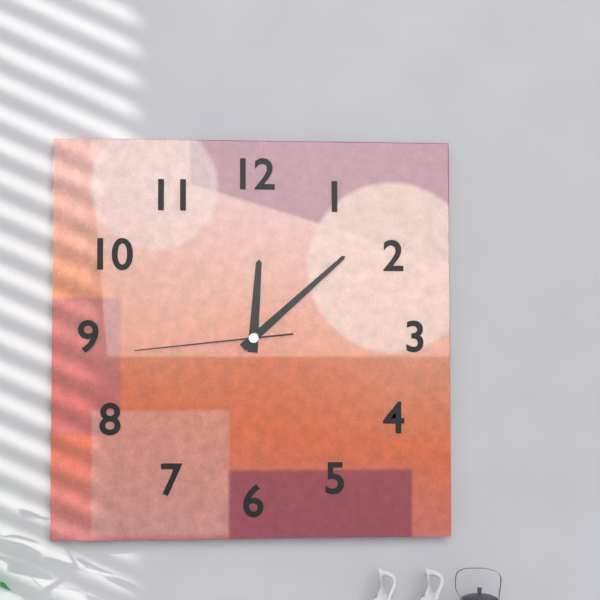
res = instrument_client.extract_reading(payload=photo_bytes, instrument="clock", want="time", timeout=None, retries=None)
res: 12:08:44
